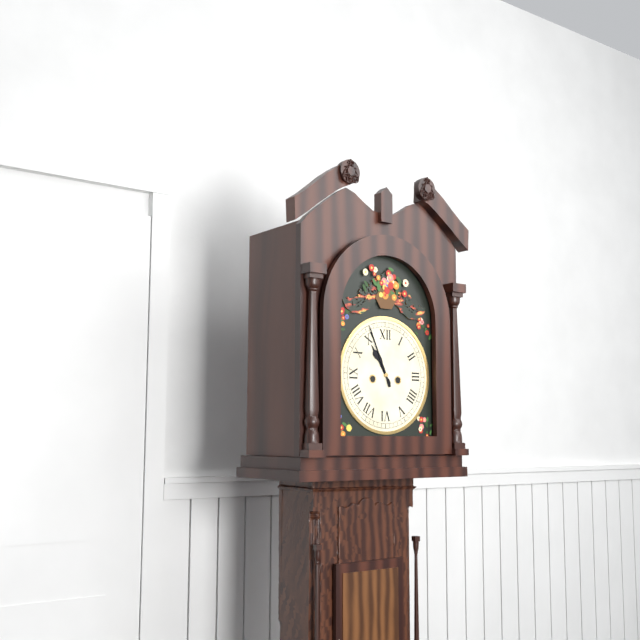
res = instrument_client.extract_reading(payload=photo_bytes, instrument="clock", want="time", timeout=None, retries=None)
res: 10:56
